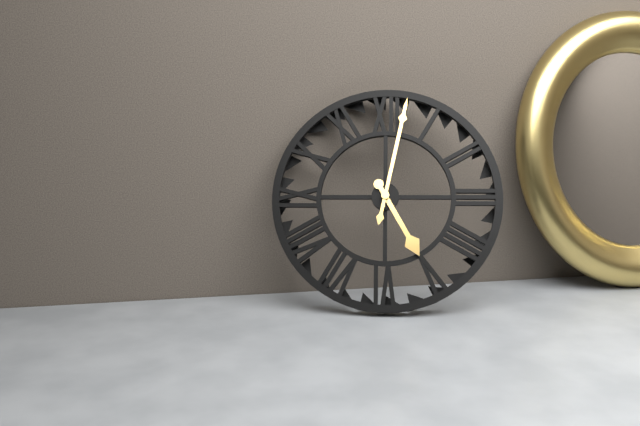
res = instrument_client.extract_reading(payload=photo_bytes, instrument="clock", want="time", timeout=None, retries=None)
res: 5:02
